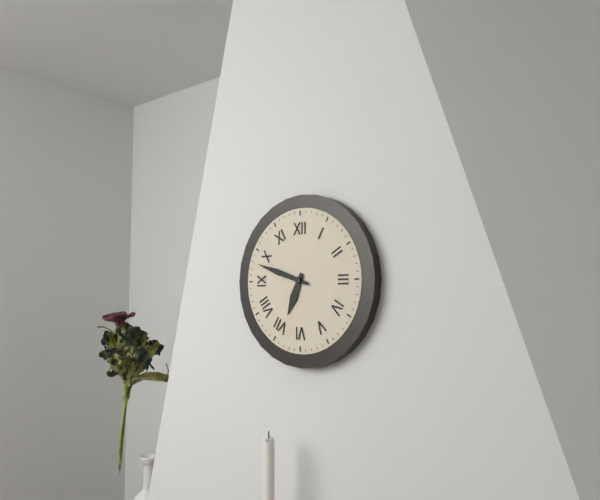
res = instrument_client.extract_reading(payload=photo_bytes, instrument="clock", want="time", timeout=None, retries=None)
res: 6:48
